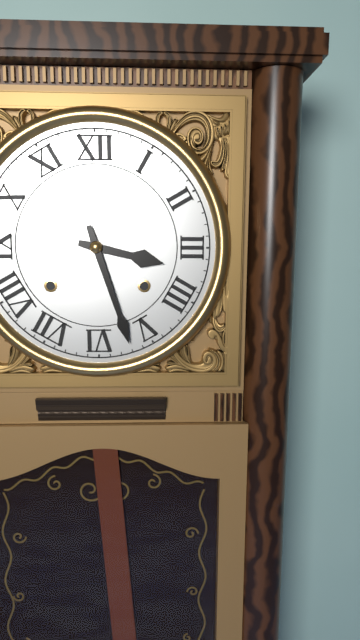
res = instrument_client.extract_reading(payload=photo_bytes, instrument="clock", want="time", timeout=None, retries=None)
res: 3:27
